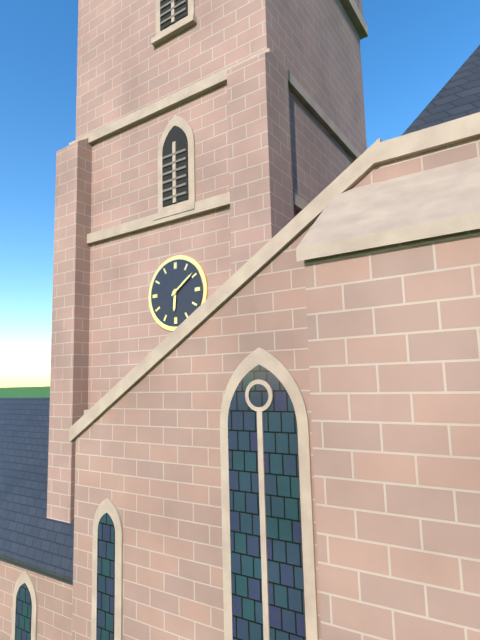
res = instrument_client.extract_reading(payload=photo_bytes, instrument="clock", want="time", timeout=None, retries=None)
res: 6:09
